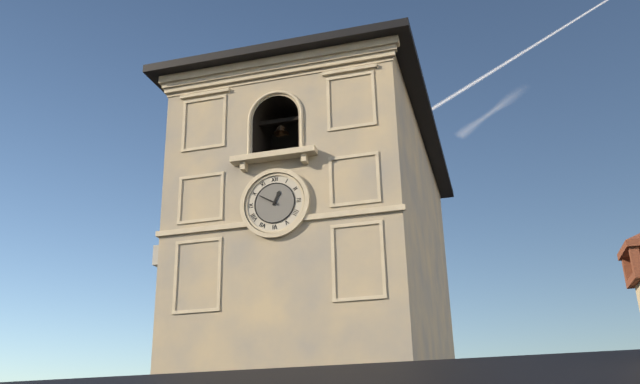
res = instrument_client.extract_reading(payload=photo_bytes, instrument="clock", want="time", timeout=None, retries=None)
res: 12:50
